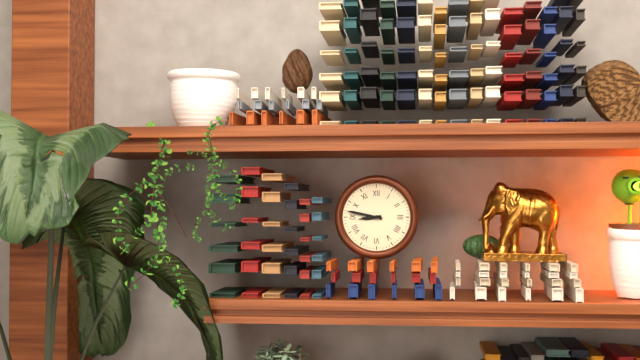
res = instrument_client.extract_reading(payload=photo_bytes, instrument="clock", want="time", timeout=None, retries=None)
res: 8:47
